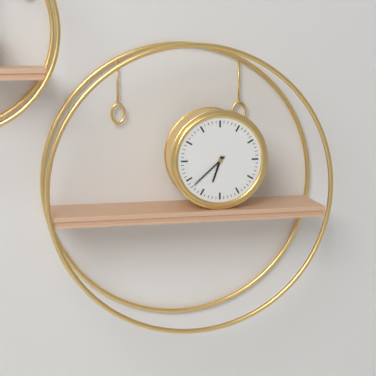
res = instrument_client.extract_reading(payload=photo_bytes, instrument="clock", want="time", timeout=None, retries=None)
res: 6:38
